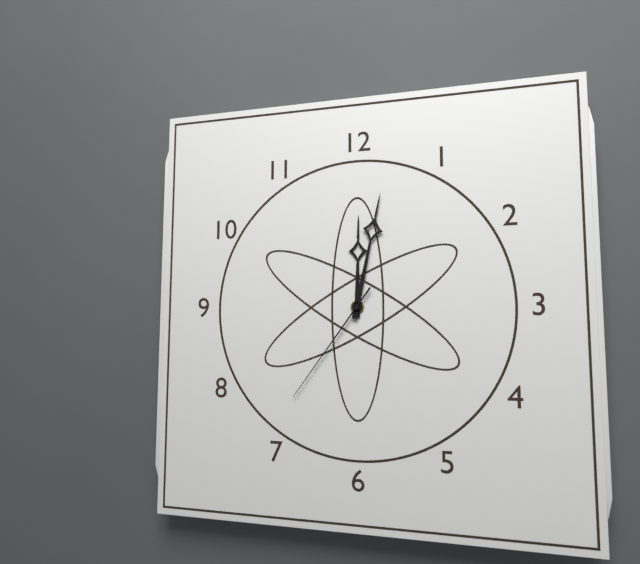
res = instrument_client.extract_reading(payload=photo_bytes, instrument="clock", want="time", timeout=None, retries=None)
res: 12:02:36
